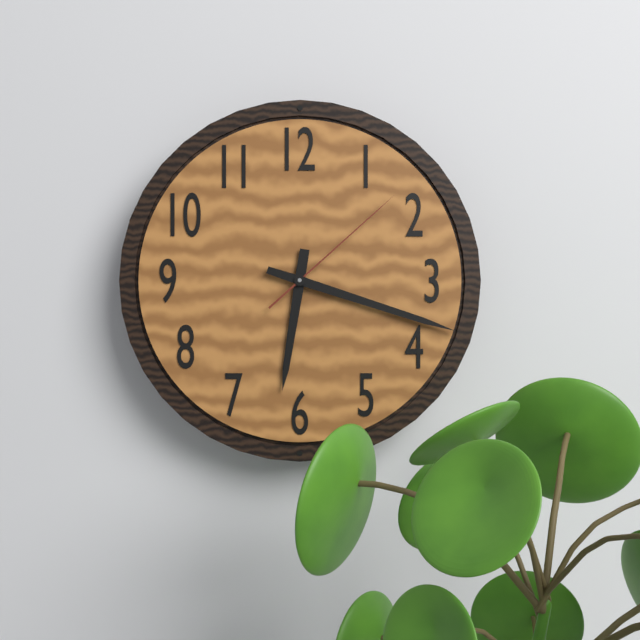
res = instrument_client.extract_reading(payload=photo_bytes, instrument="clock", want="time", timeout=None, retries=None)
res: 6:18:08
